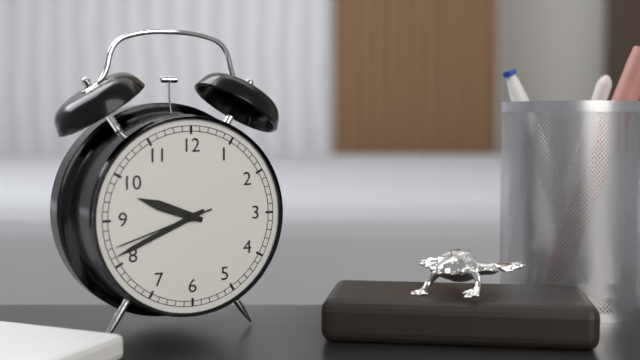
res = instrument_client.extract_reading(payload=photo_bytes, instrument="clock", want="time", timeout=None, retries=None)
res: 9:41:42
